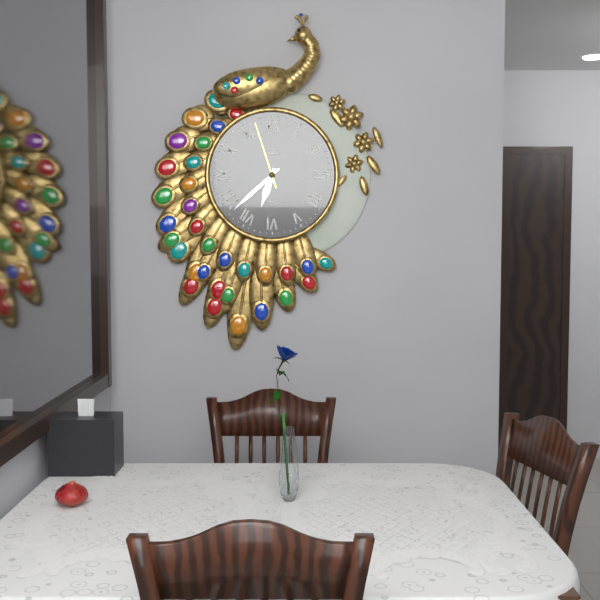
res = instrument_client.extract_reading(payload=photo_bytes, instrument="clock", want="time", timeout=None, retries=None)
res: 6:38:57
